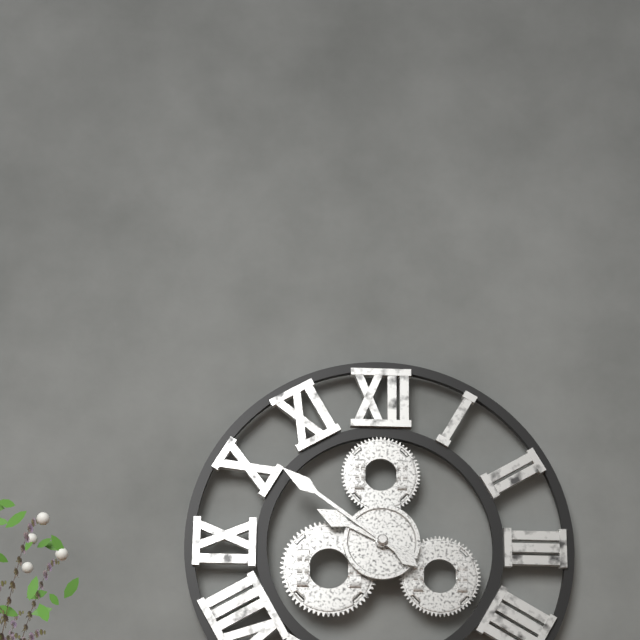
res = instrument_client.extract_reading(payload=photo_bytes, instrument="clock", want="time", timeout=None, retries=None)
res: 9:51
